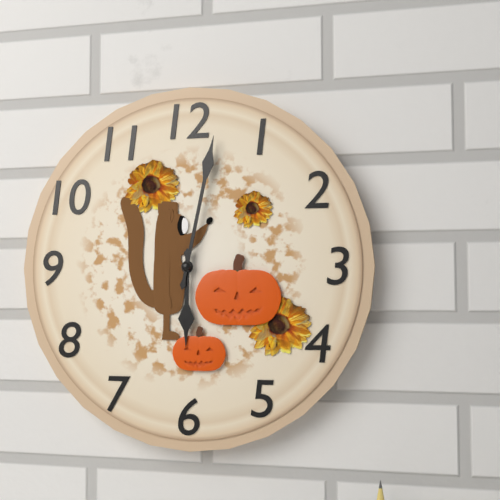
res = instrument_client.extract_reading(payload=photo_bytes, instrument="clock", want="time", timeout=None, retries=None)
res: 6:02
